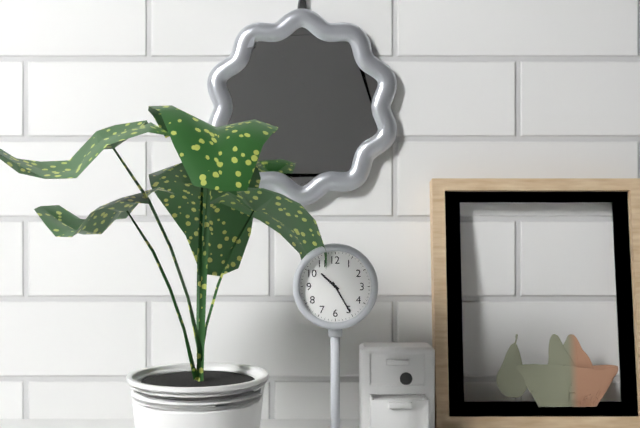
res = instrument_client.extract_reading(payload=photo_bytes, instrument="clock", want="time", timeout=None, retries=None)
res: 10:25
